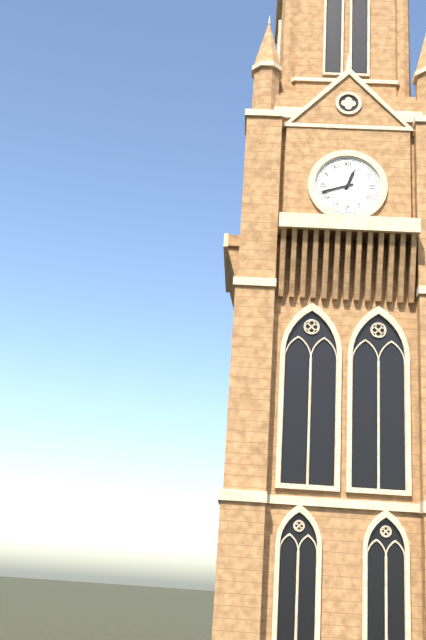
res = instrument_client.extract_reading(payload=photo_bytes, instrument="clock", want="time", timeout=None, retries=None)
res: 12:42
